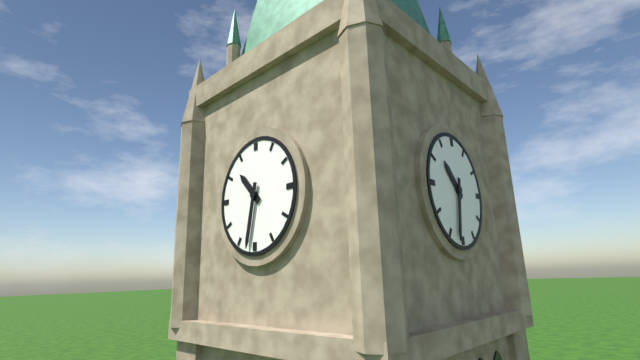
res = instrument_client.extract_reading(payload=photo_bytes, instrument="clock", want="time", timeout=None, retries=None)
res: 10:32
